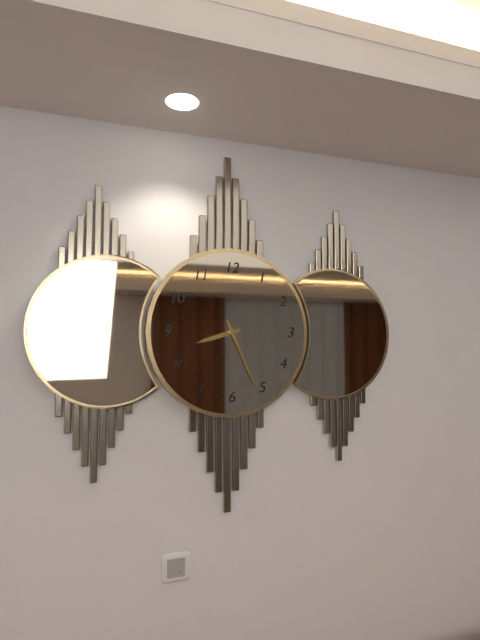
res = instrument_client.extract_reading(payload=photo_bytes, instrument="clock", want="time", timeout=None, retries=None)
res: 8:26
